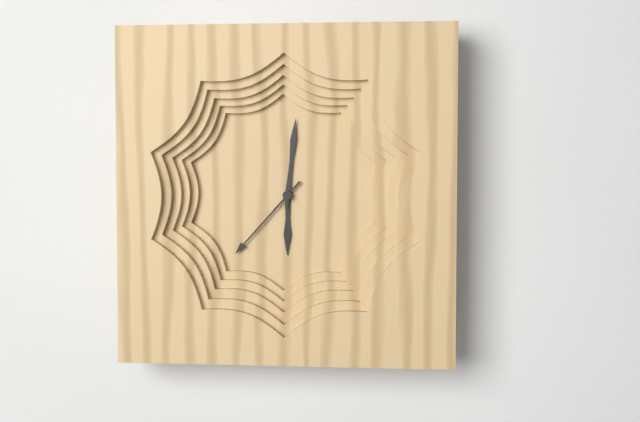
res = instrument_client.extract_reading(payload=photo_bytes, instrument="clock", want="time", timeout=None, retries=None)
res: 6:01:37
